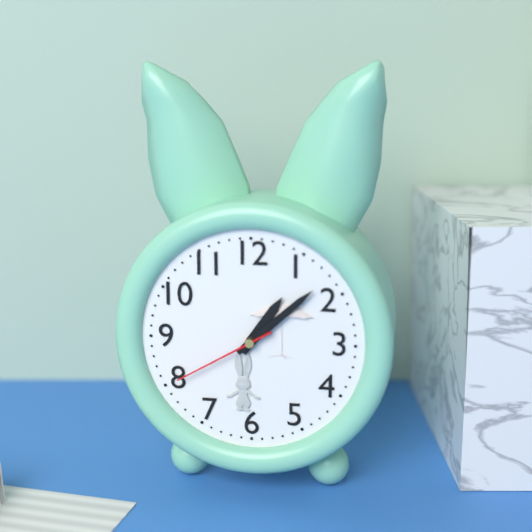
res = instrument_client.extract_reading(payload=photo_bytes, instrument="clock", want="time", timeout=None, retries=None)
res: 1:08:40
